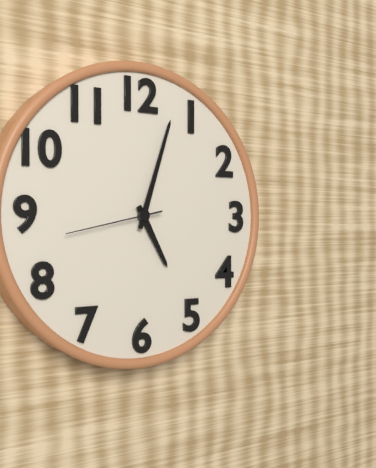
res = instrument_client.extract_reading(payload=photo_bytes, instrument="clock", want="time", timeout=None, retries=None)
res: 5:03:43
